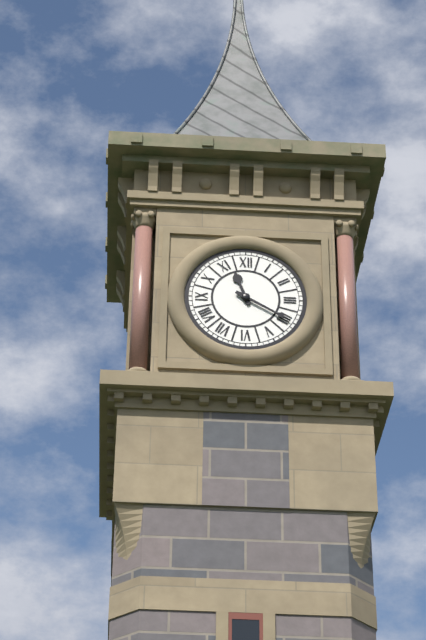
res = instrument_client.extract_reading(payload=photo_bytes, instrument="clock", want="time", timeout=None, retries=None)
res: 11:20
